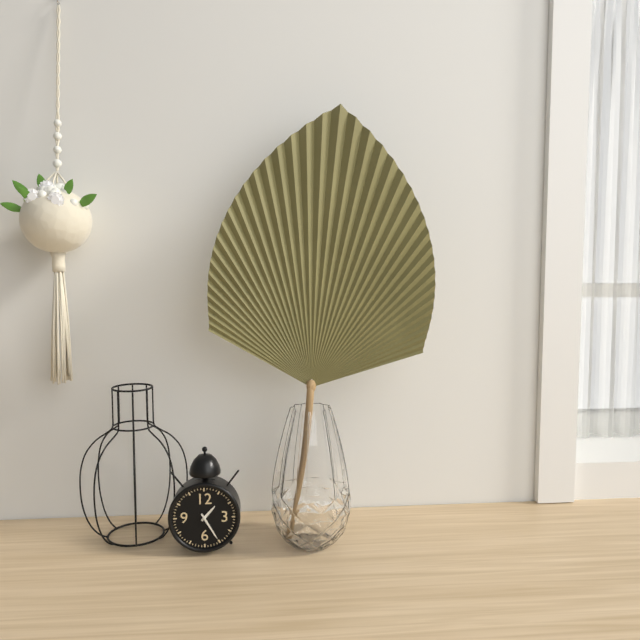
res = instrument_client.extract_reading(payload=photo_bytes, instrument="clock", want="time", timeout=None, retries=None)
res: 1:25
